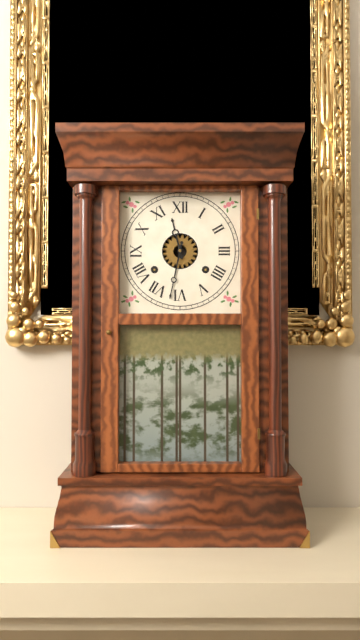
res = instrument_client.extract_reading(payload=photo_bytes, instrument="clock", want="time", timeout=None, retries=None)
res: 11:32
